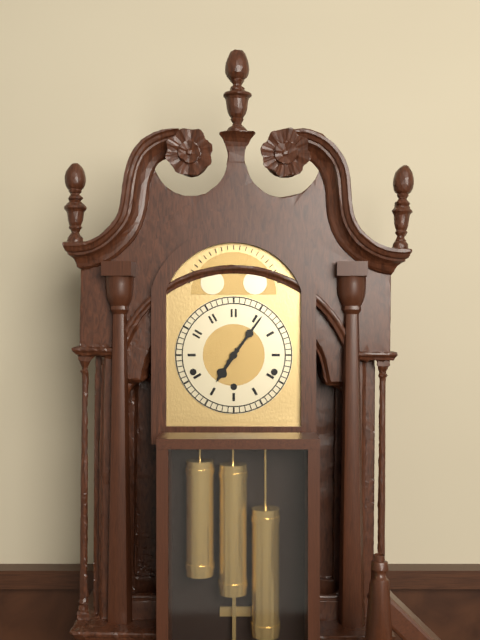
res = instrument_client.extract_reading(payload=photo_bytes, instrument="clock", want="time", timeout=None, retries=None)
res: 7:06
